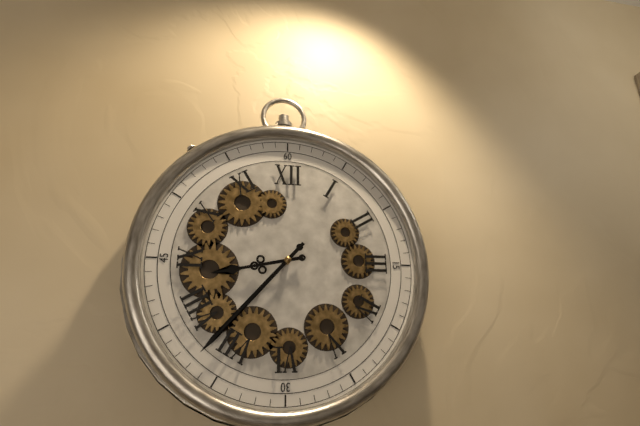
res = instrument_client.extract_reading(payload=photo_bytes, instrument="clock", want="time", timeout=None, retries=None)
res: 8:37
